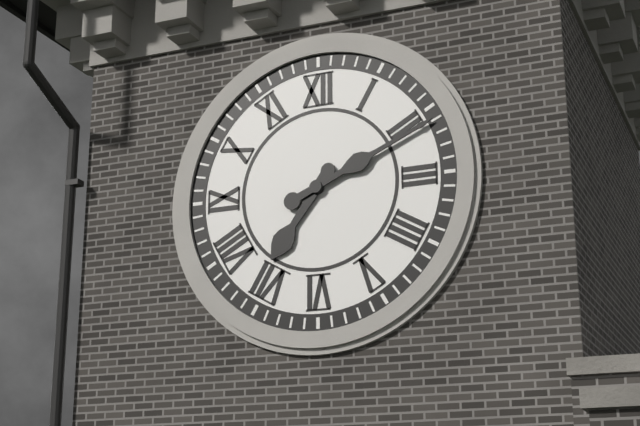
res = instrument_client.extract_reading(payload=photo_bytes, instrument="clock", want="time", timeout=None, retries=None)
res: 7:11
